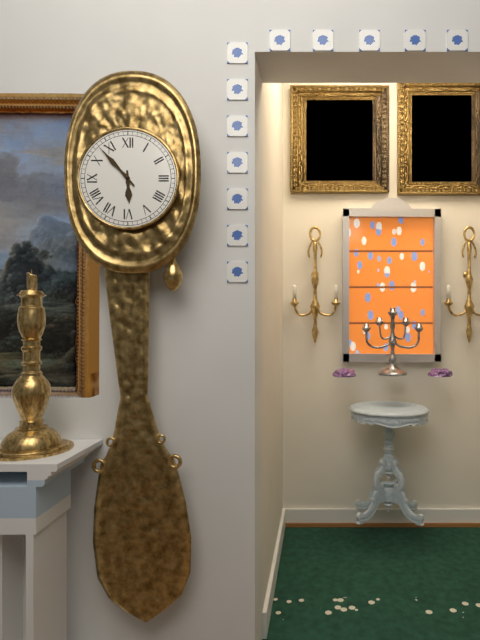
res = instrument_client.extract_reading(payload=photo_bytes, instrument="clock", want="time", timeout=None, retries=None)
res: 5:53
